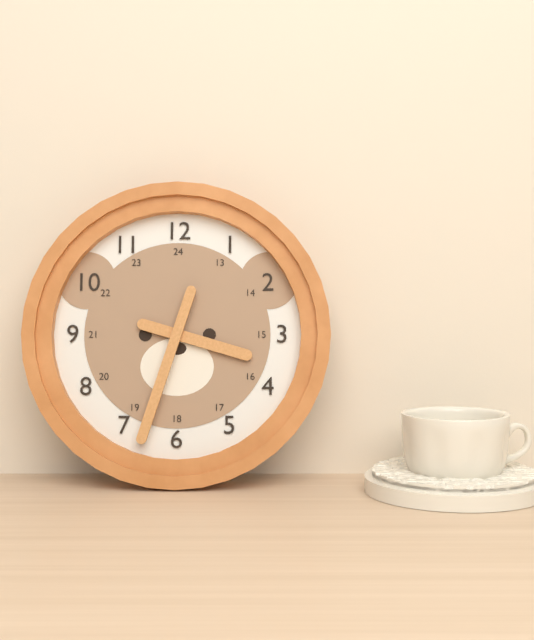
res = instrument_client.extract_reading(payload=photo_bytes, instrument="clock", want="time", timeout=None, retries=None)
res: 3:33
